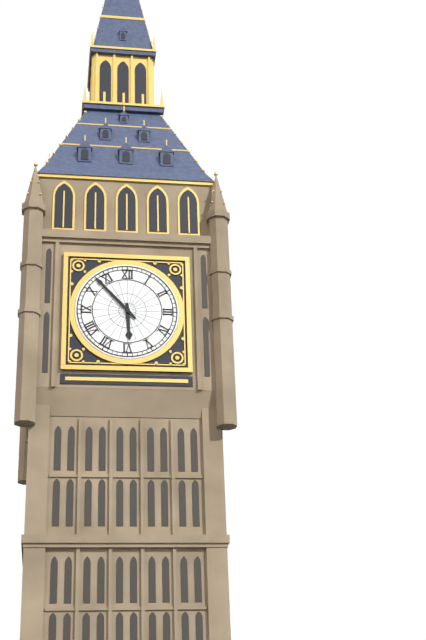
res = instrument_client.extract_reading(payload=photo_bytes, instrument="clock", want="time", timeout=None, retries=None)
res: 5:53
